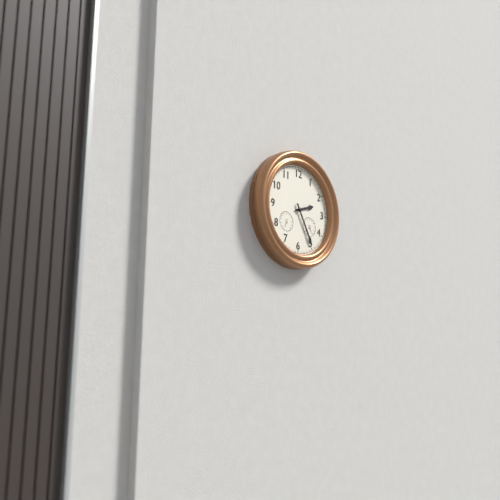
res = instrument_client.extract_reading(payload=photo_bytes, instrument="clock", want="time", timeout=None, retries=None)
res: 2:25
